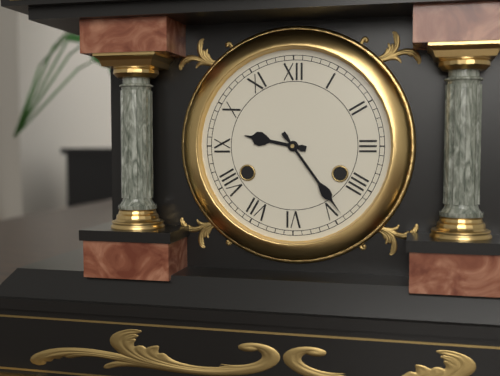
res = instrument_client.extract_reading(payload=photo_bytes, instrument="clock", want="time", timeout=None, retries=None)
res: 9:24
